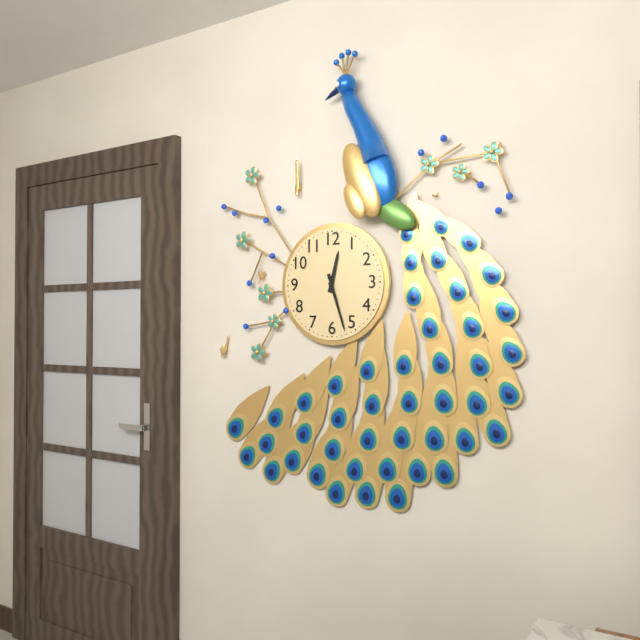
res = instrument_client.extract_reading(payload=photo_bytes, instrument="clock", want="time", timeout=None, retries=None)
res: 12:27
